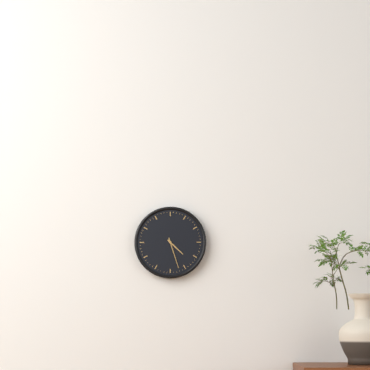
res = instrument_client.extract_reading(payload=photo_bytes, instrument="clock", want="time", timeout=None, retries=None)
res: 4:27
